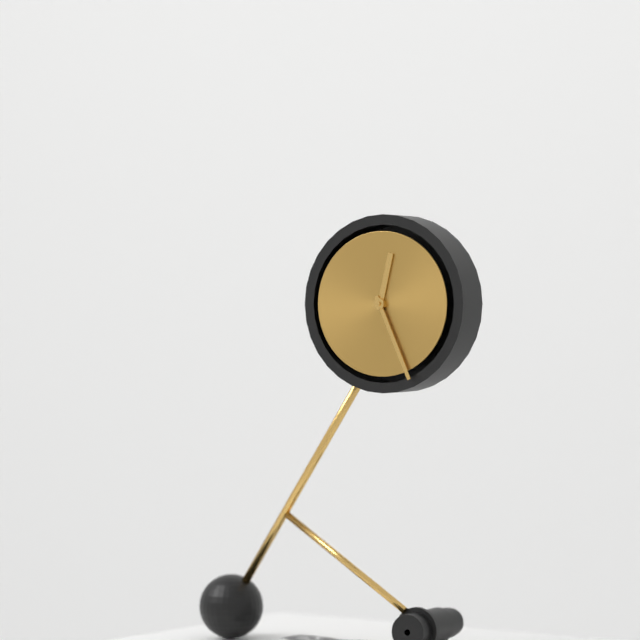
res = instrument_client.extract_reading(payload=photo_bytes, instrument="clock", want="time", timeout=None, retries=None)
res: 12:26
